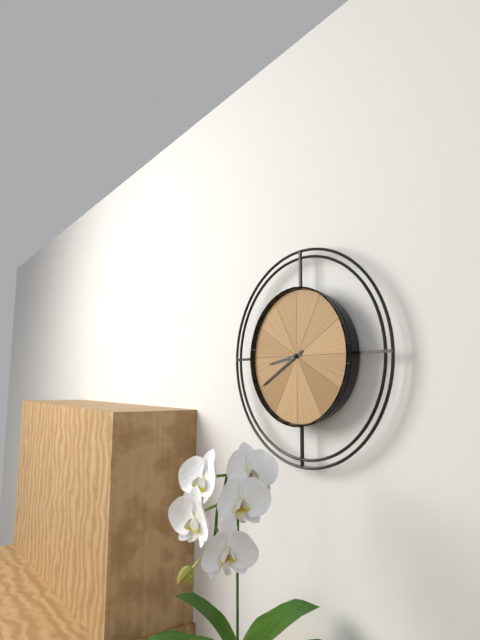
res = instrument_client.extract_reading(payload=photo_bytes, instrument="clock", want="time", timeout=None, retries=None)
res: 8:40
